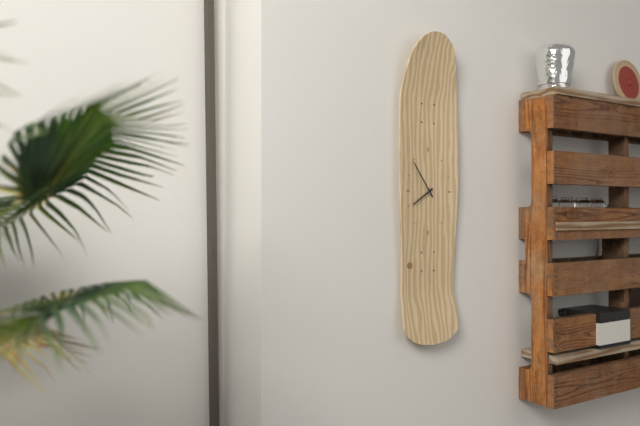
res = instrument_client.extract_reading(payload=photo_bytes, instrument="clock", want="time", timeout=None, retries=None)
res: 7:54
